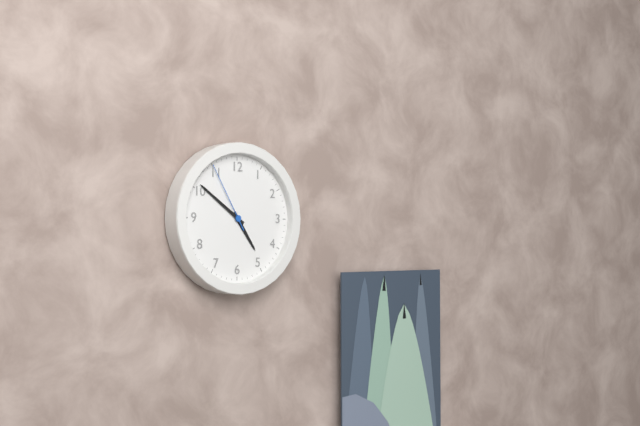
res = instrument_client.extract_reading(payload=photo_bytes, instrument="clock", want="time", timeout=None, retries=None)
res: 4:51:55
